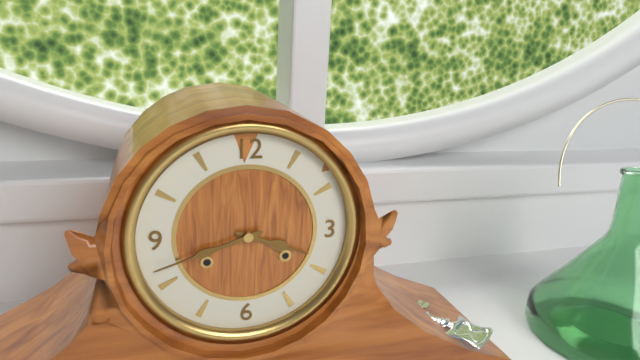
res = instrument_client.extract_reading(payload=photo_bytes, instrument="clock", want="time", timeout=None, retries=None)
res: 3:42
